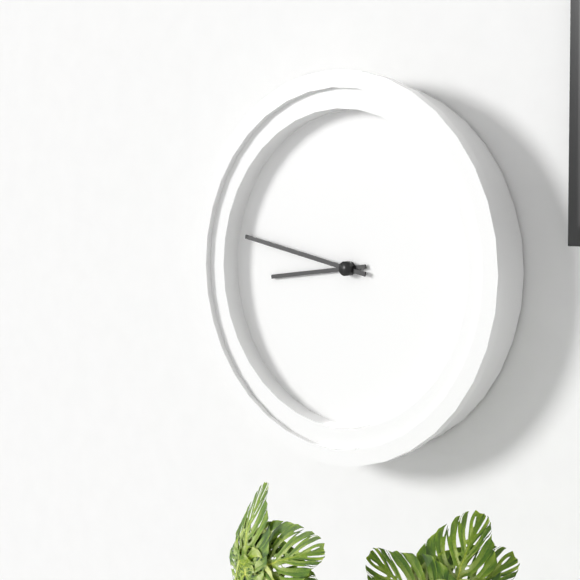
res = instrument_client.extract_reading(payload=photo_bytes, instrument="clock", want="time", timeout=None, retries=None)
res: 8:47
